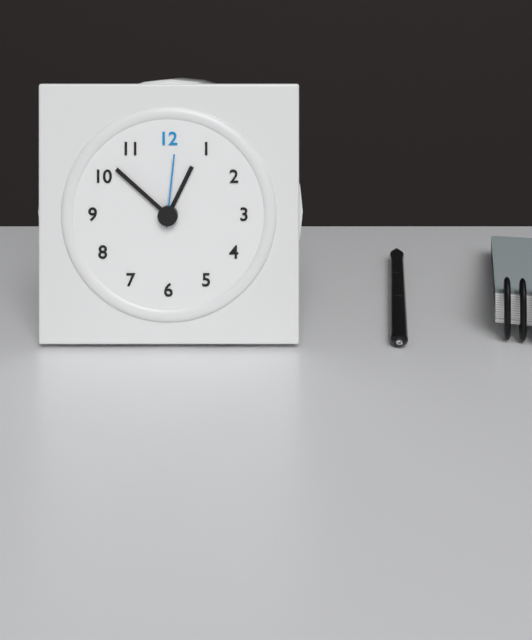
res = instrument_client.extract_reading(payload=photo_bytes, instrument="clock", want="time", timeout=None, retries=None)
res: 12:52:01
